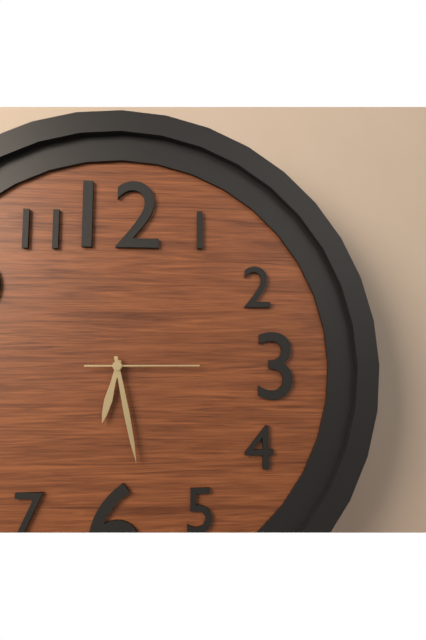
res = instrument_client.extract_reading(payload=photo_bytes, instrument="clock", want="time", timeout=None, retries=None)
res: 6:28:15
